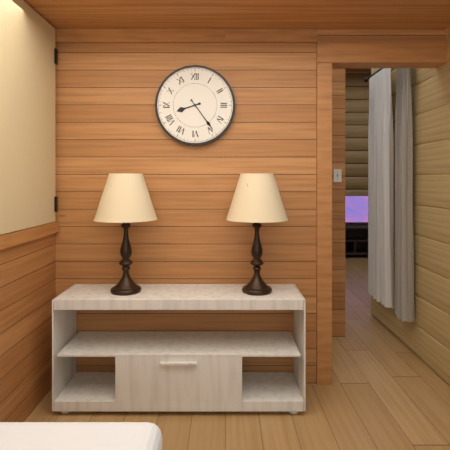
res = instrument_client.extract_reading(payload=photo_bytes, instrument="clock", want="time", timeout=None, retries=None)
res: 8:24
